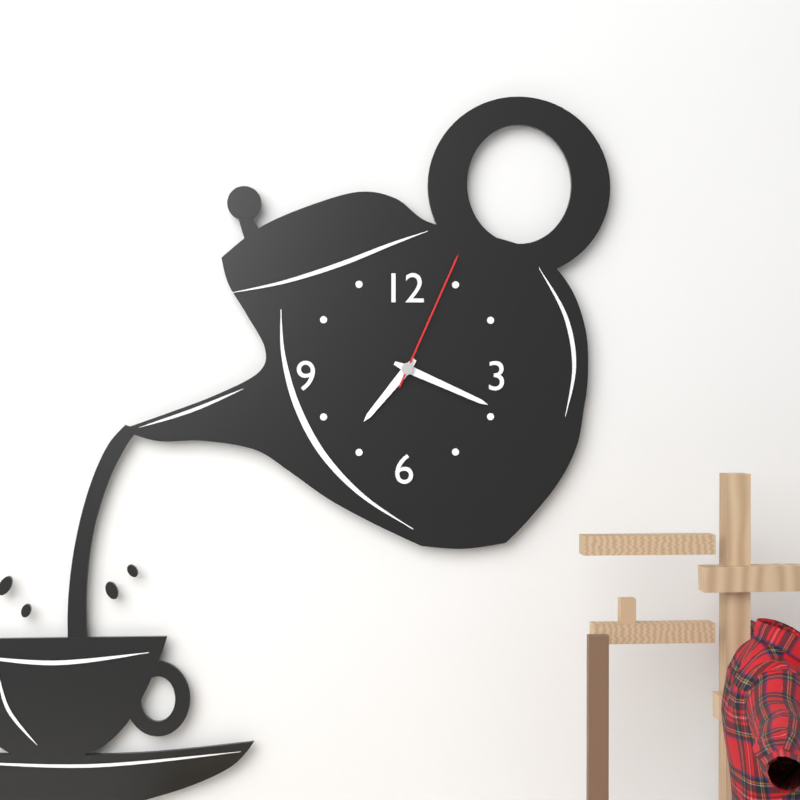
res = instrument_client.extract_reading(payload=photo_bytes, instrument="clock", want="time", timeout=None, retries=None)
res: 7:19:04
